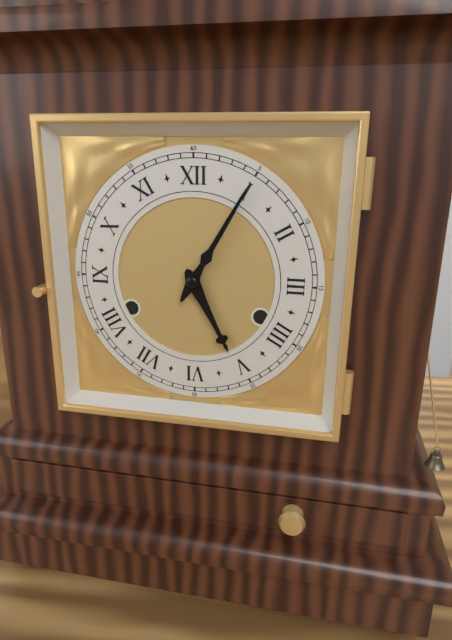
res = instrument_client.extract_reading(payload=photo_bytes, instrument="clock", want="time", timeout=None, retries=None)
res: 5:05
